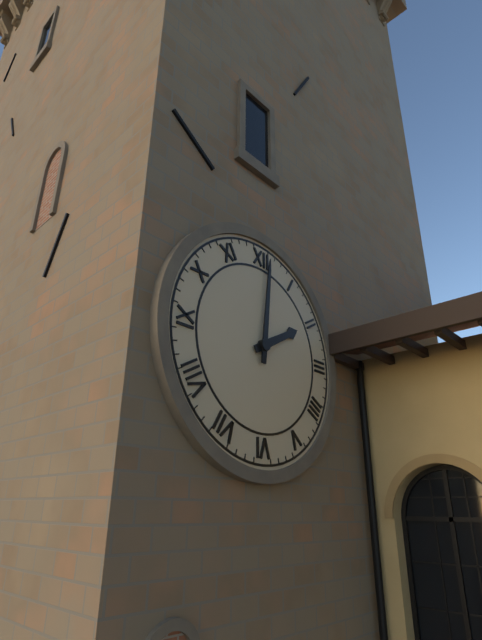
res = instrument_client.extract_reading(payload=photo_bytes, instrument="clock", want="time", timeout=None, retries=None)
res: 2:01
